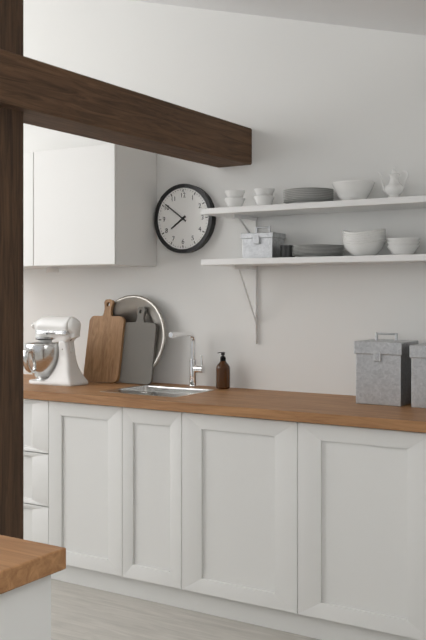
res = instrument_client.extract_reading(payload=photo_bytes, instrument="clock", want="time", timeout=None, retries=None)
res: 7:51
